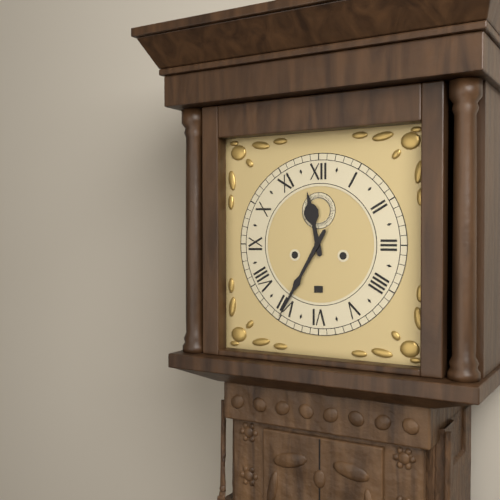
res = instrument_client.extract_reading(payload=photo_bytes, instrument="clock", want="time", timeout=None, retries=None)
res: 11:35
